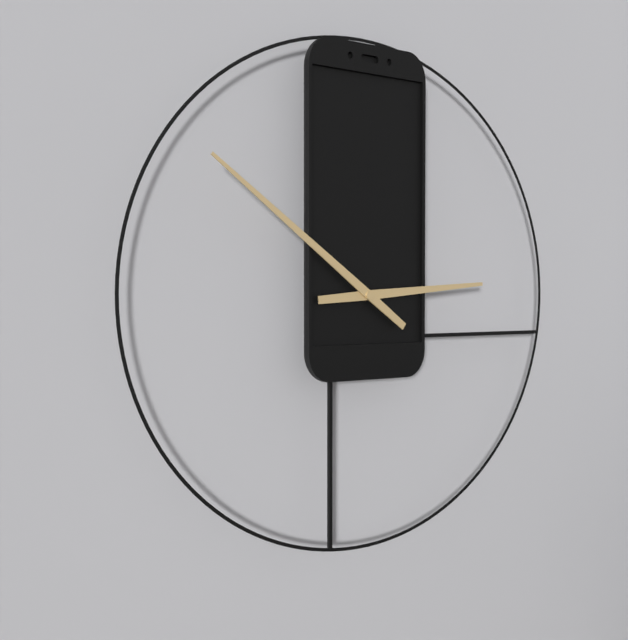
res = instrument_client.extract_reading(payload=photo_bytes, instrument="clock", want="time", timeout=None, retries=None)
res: 2:51
